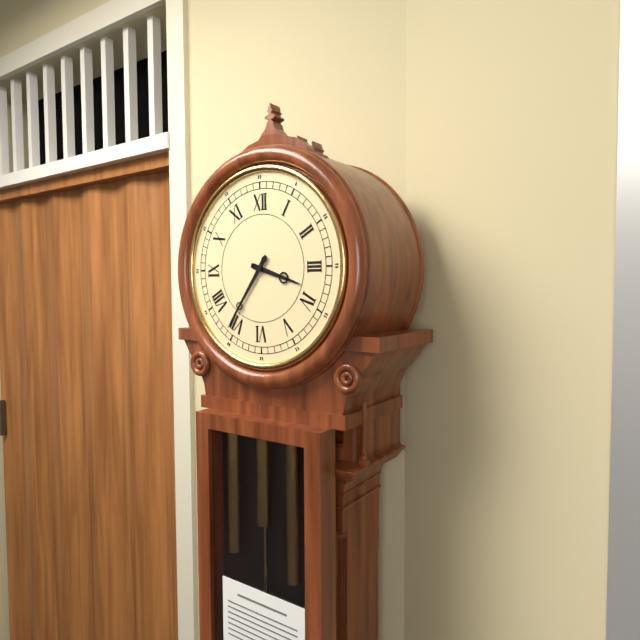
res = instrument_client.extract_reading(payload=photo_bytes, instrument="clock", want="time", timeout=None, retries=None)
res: 3:36
